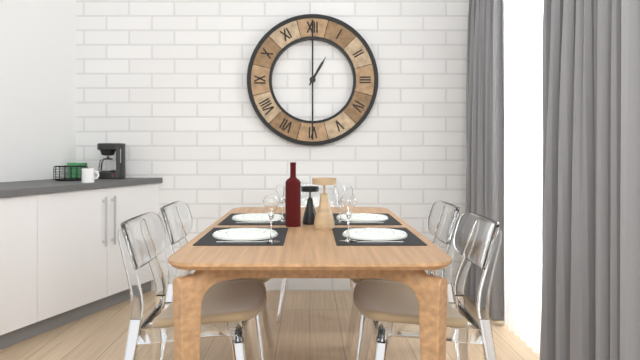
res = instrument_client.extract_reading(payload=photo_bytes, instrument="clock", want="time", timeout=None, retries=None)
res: 1:00
